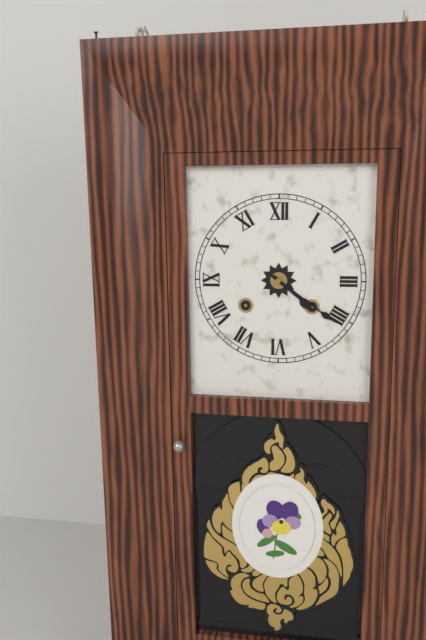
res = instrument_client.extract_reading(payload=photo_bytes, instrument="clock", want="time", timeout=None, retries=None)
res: 4:21
